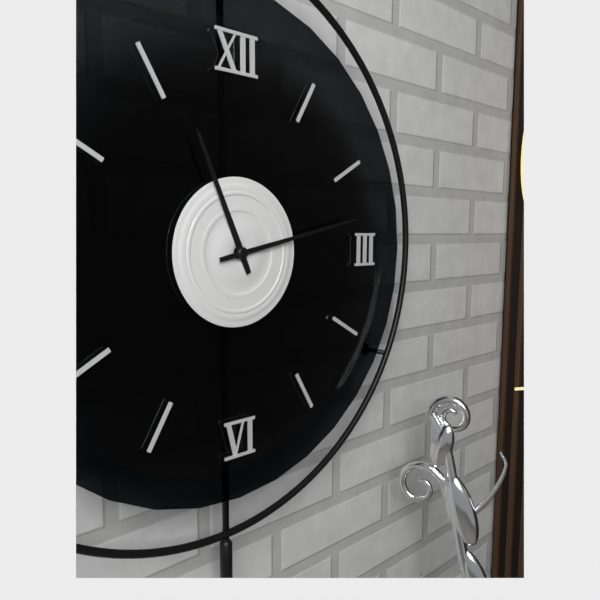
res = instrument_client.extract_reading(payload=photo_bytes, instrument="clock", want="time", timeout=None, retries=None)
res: 11:13
